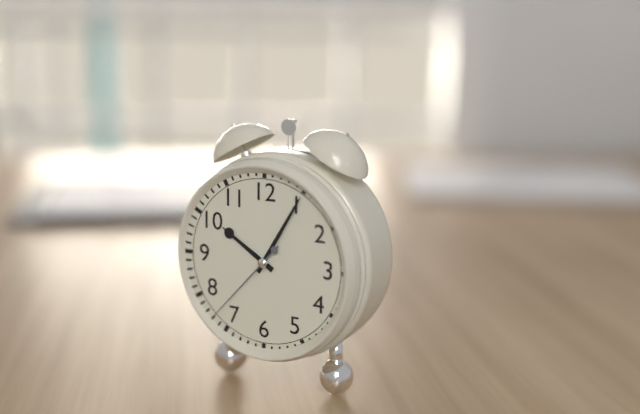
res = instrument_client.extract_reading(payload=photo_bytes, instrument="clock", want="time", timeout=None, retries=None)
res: 10:05:37
